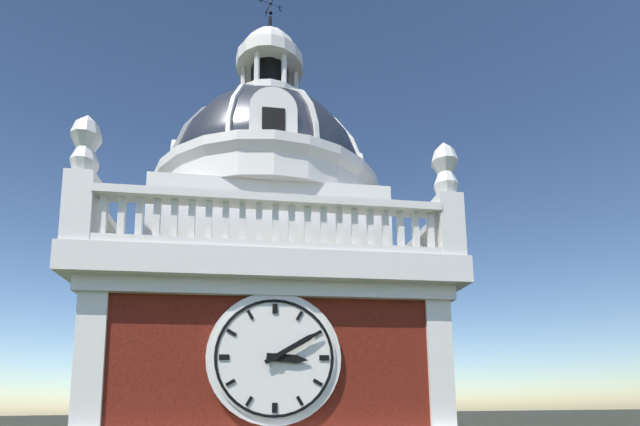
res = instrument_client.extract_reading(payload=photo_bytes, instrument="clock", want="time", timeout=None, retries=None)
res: 3:10
